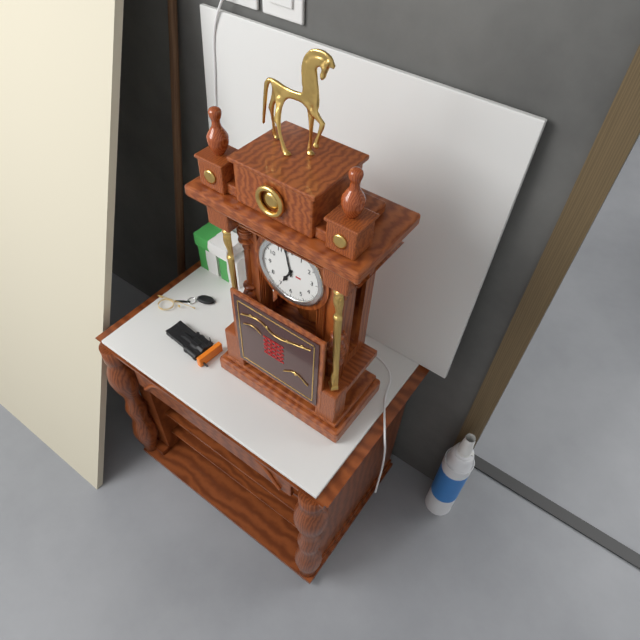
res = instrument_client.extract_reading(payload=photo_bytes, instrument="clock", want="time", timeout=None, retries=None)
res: 6:58
